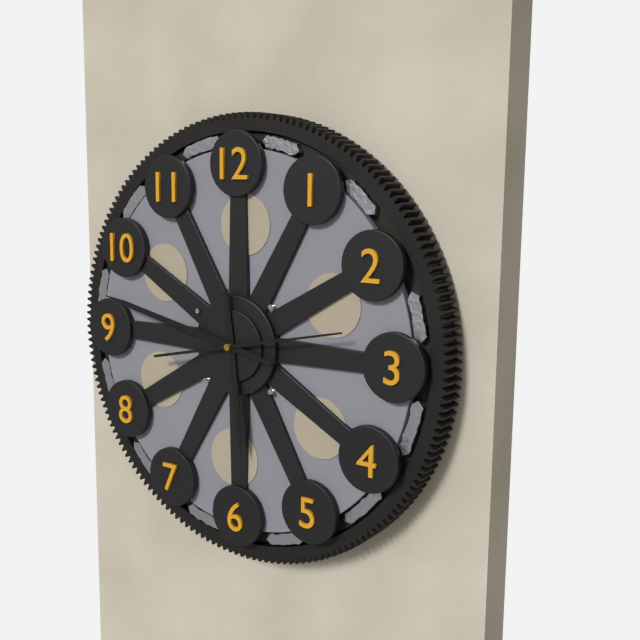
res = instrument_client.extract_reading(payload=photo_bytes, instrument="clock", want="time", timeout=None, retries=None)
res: 5:47:13
